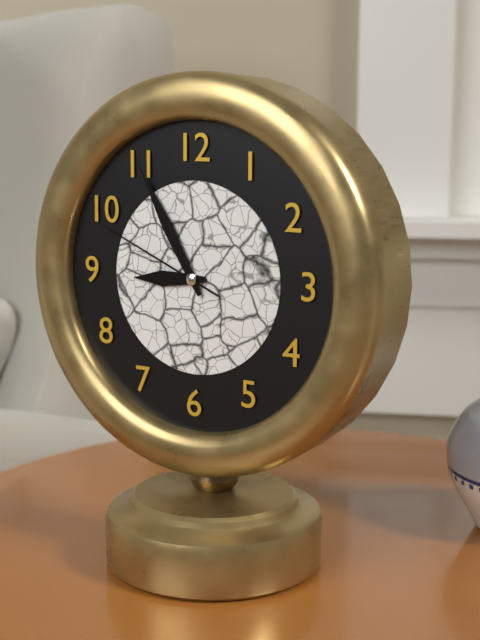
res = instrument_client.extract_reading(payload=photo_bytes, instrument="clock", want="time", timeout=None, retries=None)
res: 8:55:49
